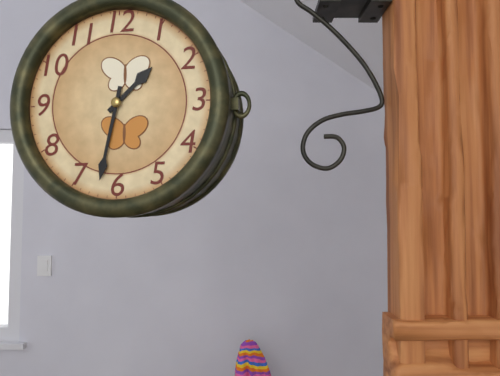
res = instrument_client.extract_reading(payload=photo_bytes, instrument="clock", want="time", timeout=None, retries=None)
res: 1:32
